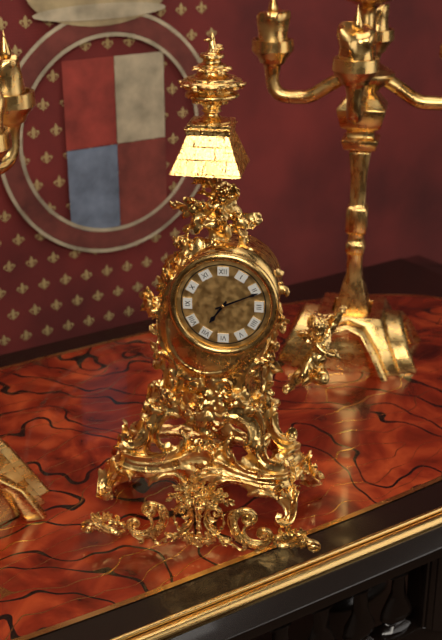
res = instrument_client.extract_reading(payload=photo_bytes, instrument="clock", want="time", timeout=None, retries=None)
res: 7:11
